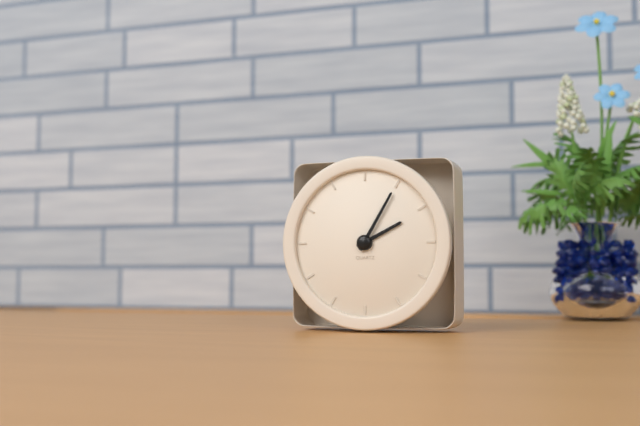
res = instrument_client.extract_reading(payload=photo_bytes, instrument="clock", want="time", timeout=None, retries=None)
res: 2:05
